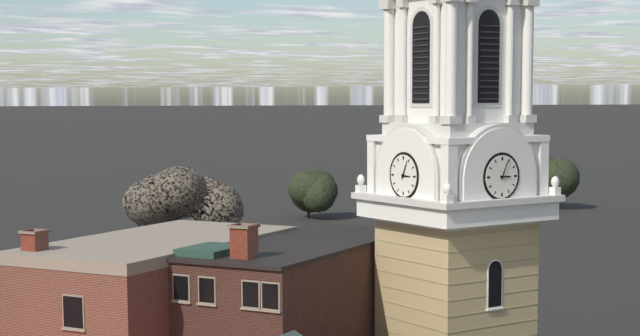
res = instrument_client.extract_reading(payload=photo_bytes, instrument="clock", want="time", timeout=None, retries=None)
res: 3:04
